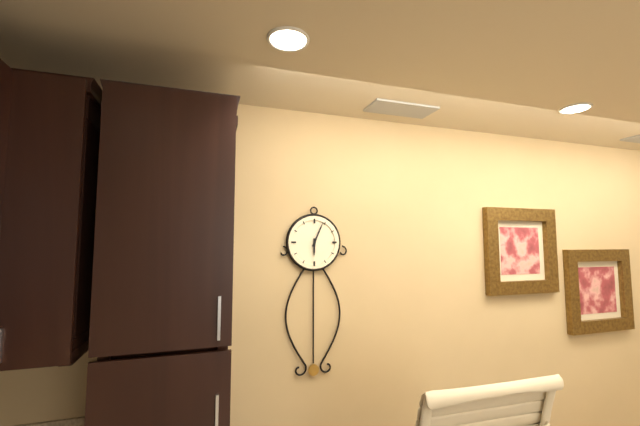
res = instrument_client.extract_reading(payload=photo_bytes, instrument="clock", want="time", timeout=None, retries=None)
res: 6:04
